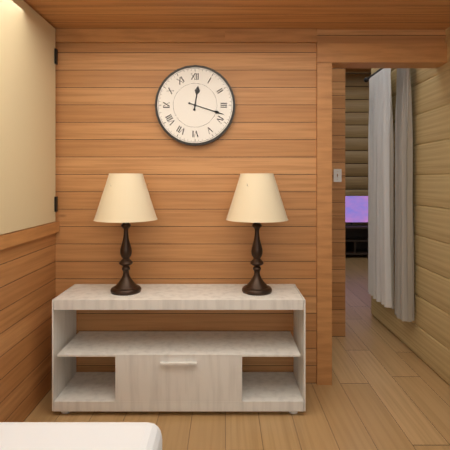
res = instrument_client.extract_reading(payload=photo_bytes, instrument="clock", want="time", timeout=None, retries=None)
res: 12:18
